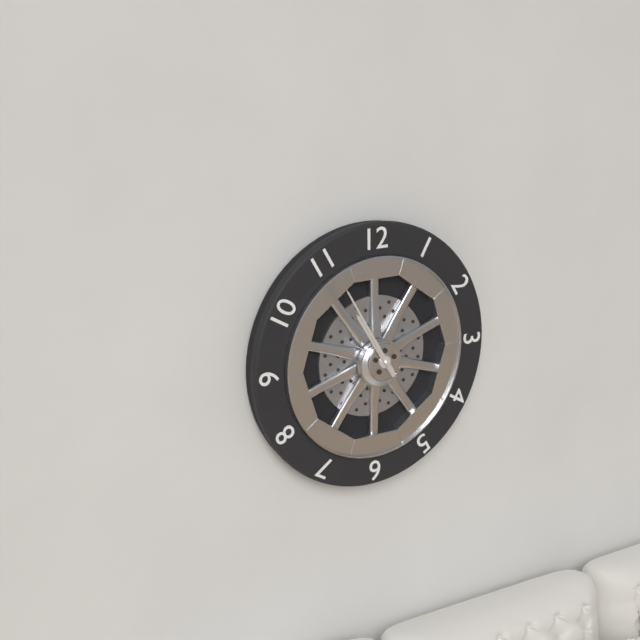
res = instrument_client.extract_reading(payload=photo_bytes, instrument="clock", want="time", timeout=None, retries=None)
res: 10:55
